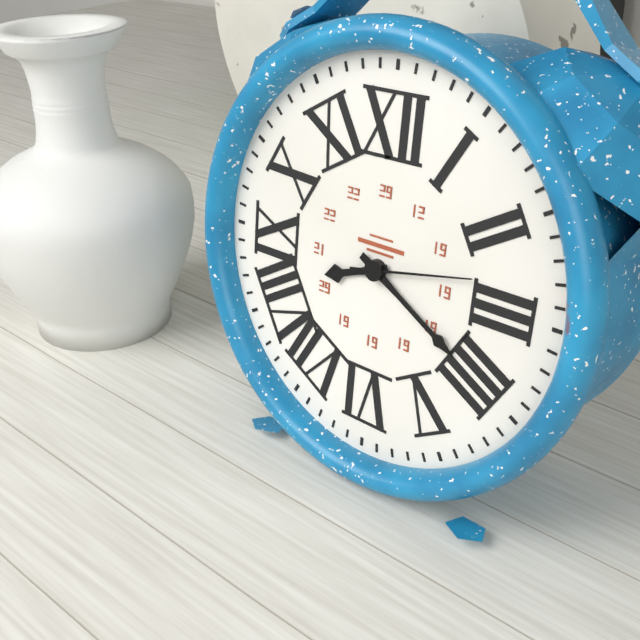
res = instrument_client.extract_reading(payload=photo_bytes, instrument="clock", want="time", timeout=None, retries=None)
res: 8:20:13
